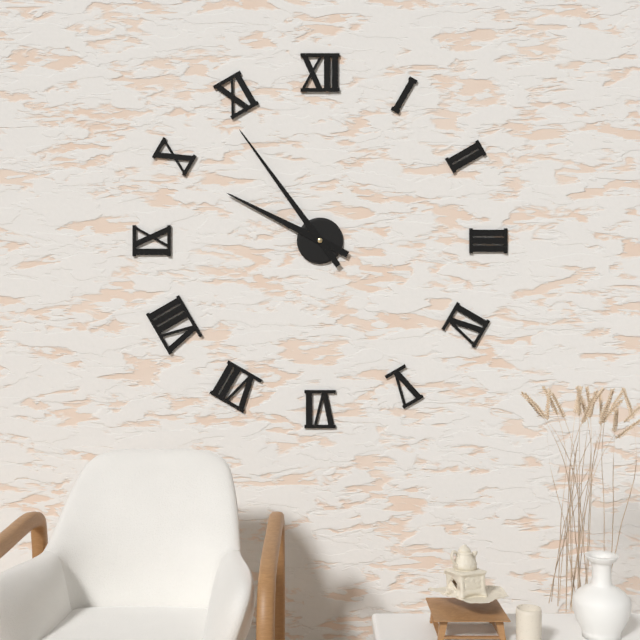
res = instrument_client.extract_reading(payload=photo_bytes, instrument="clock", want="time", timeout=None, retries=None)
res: 9:54
